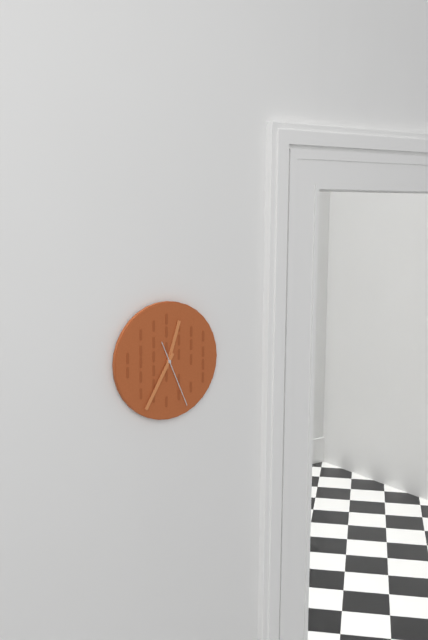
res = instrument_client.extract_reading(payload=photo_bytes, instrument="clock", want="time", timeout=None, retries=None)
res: 12:35:26
